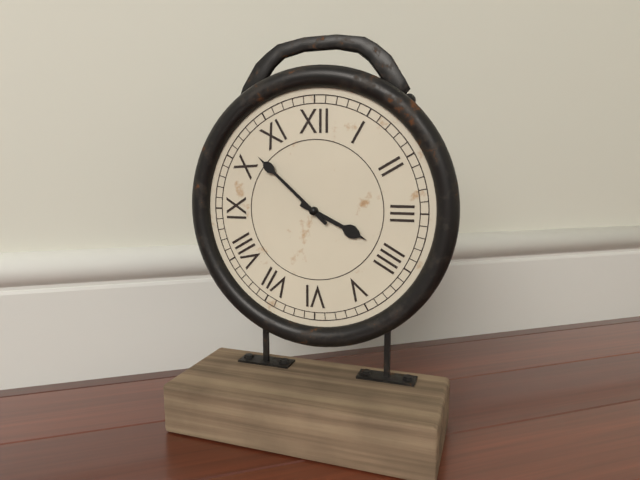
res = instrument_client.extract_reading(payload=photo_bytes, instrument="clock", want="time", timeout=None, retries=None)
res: 3:52
